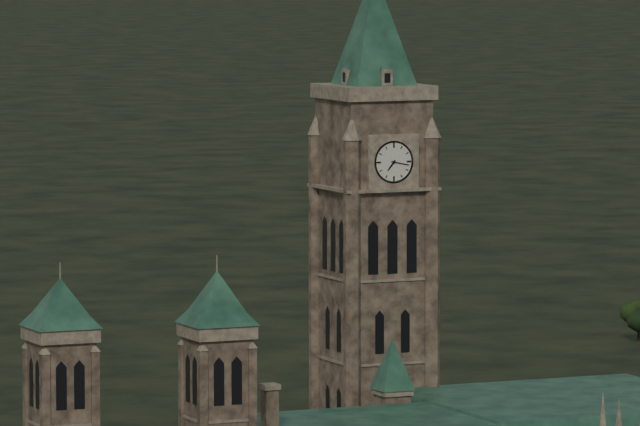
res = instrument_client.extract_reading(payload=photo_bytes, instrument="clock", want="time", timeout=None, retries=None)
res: 7:17
